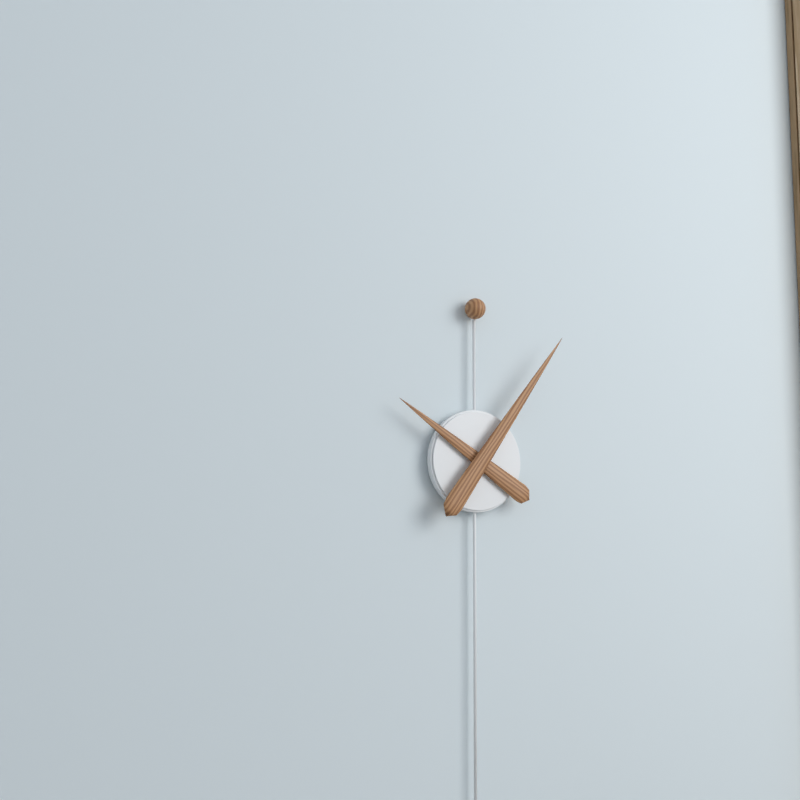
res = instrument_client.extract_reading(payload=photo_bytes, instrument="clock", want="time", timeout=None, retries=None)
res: 10:06
